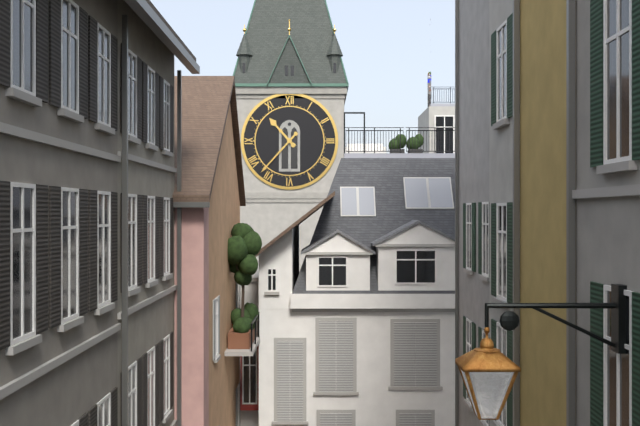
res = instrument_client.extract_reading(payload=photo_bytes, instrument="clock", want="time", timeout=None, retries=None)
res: 10:37
